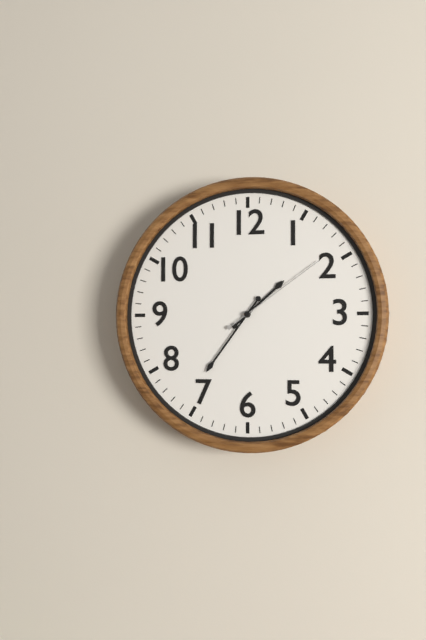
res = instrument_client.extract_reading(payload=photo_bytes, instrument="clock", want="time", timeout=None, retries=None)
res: 1:36:09
